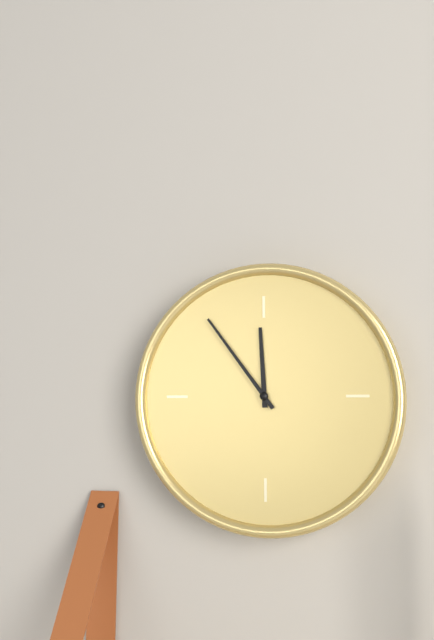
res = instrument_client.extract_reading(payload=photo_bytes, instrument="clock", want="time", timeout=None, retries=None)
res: 11:54
